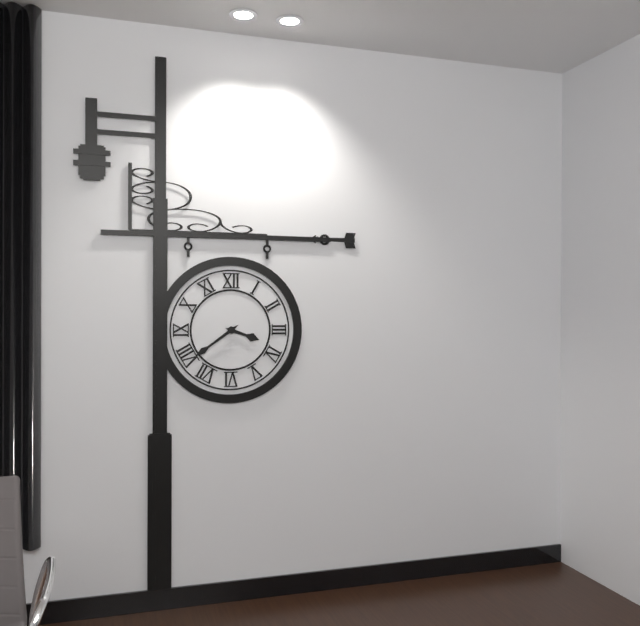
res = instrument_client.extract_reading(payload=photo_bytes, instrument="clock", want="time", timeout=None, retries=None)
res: 3:39
